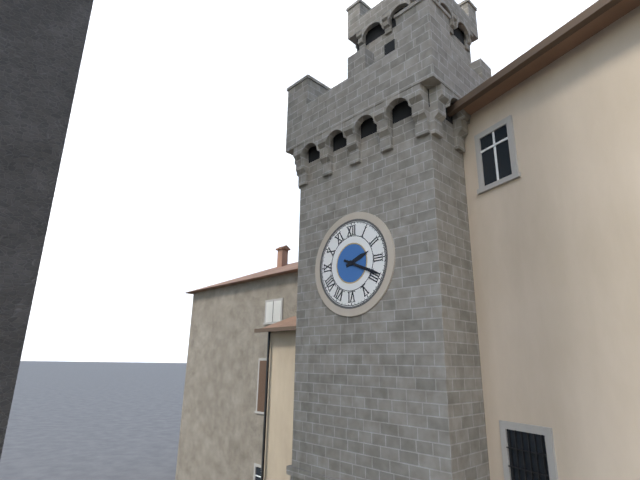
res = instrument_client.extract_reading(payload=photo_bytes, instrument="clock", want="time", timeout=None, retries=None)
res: 2:19
